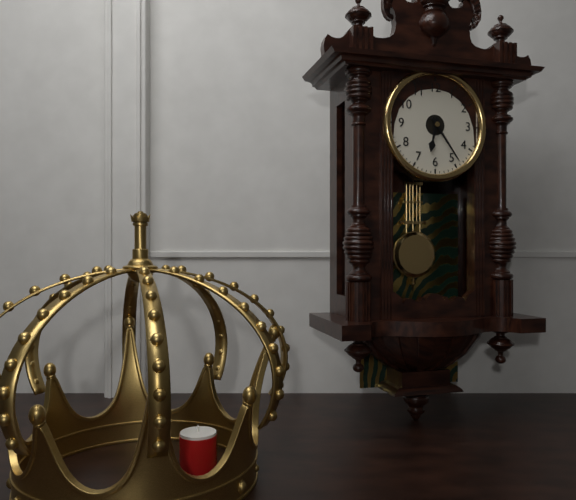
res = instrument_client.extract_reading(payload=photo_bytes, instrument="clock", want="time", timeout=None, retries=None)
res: 6:24
